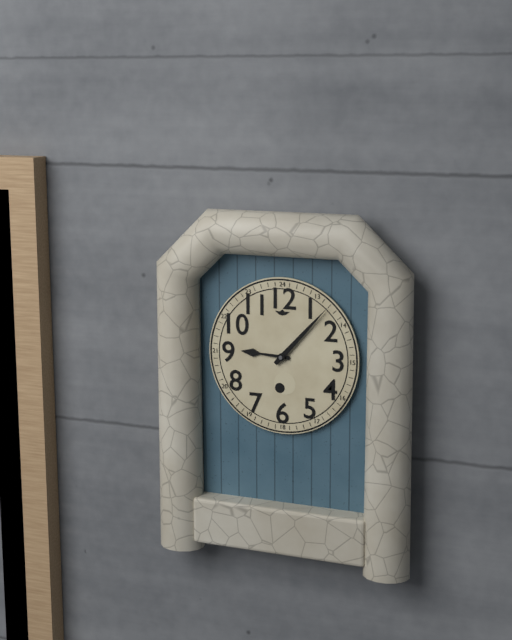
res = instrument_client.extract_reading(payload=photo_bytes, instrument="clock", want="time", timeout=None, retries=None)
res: 9:07
